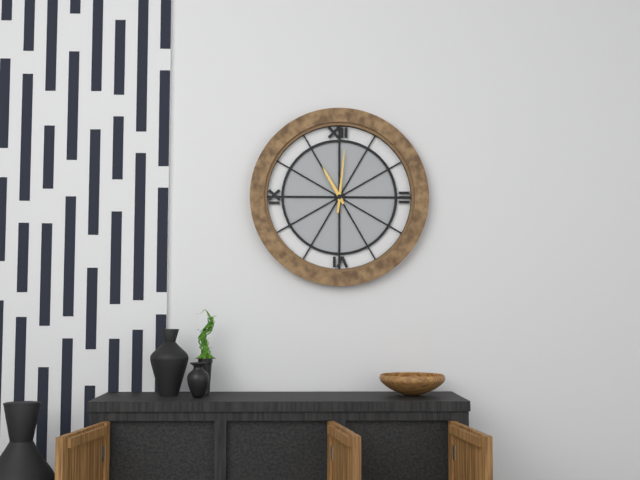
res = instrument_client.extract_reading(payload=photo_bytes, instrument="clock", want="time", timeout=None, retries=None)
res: 11:01
